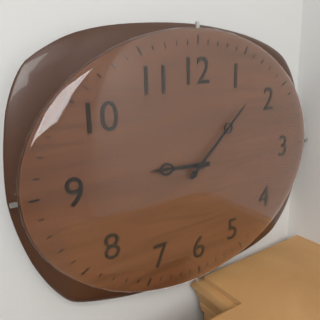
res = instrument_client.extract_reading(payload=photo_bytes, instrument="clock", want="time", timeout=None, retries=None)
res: 9:08
